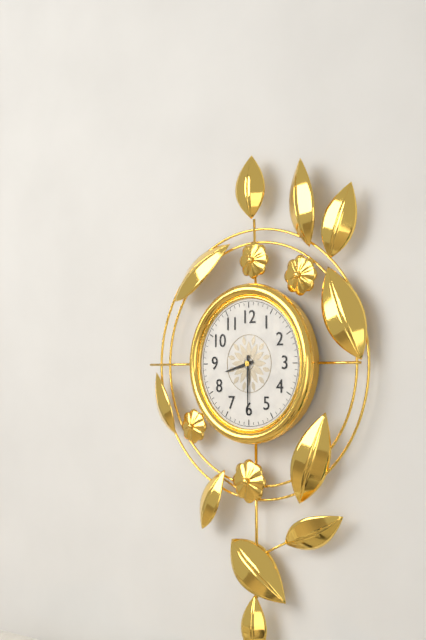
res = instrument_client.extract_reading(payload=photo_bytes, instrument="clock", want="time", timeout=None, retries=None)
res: 8:30
